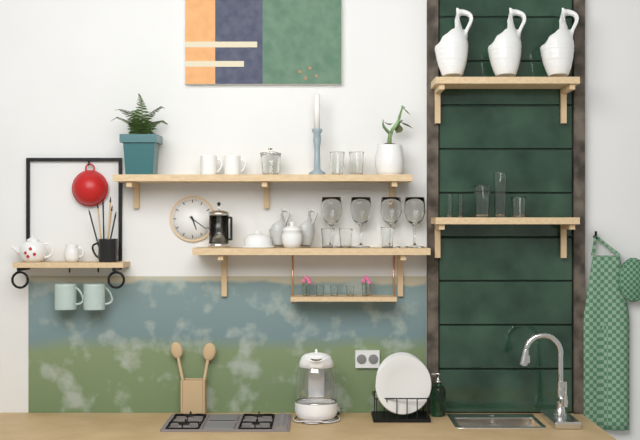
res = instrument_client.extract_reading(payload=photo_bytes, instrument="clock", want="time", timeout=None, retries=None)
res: 5:21
